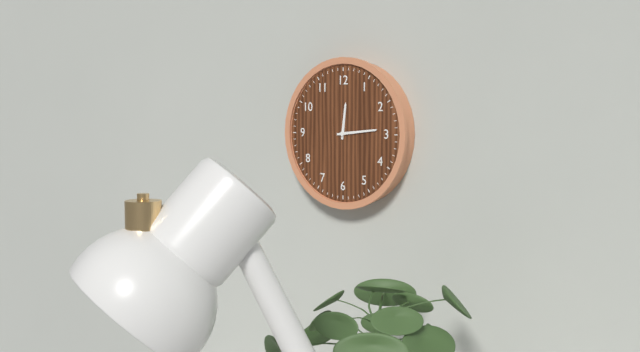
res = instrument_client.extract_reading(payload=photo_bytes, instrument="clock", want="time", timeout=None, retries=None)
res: 12:14
